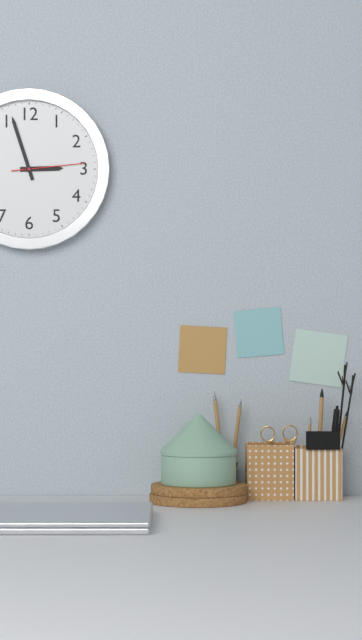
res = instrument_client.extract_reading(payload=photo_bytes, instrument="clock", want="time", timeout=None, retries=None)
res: 2:57:14
